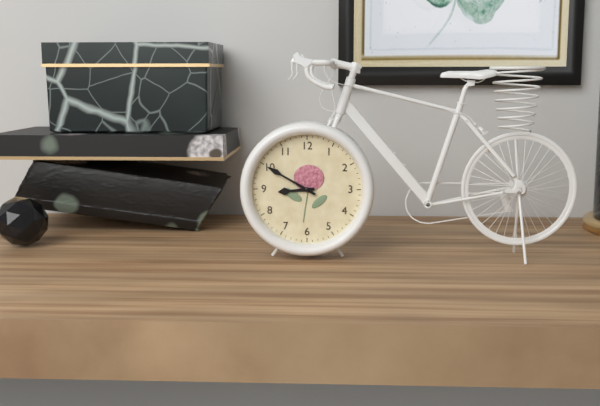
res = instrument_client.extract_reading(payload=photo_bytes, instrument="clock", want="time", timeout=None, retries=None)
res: 8:50
